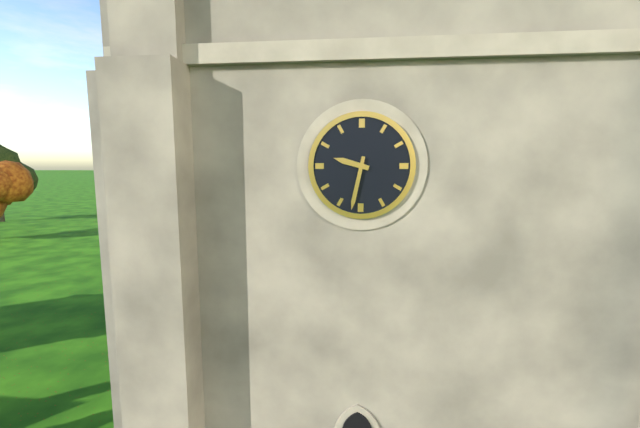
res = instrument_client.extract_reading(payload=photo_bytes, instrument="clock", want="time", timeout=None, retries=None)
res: 9:32
